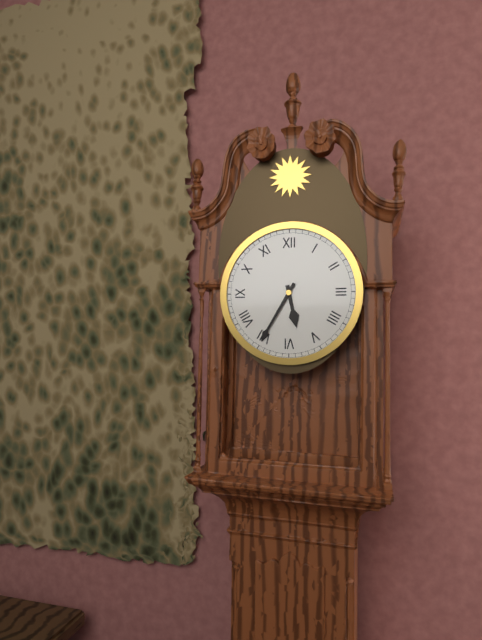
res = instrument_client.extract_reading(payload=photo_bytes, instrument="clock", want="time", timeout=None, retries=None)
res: 5:35
